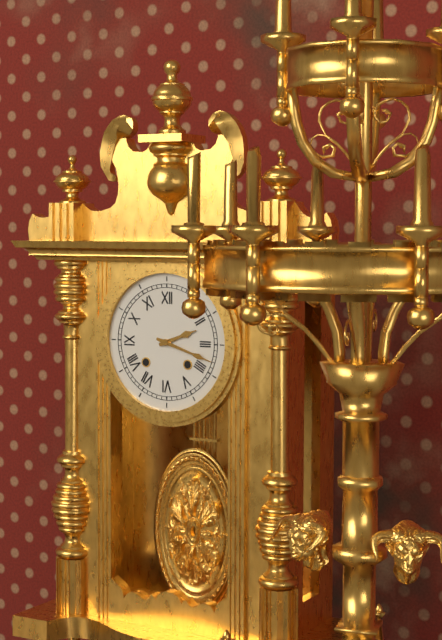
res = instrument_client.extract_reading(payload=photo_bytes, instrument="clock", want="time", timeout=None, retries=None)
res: 2:18
